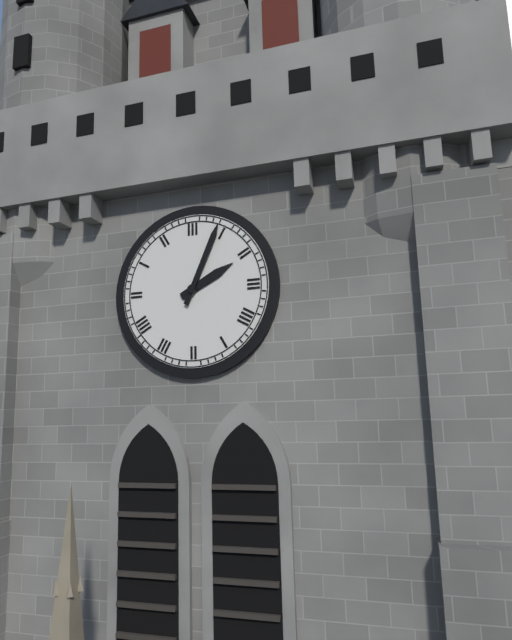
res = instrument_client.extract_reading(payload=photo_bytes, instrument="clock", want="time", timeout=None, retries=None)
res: 2:04
